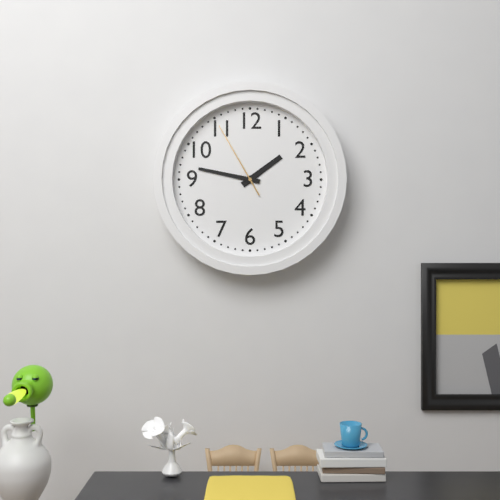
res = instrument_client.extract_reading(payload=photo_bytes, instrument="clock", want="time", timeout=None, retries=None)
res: 1:47:55
